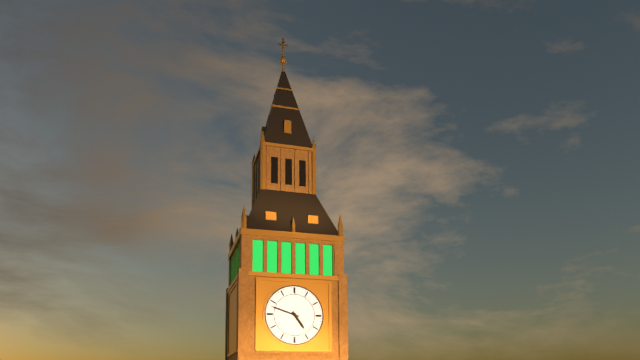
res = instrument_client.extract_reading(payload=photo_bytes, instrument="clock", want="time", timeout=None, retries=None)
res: 4:48
